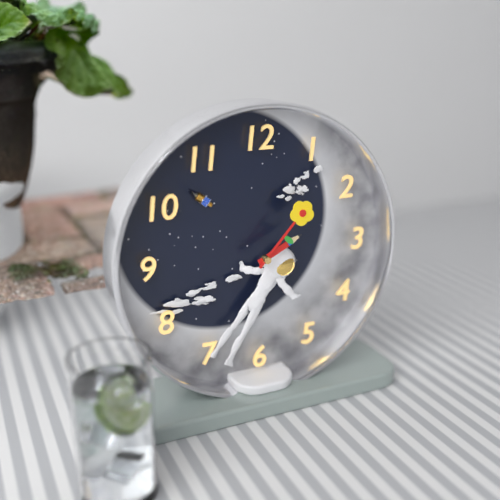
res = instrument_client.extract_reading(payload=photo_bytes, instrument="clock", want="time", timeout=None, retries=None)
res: 2:07
